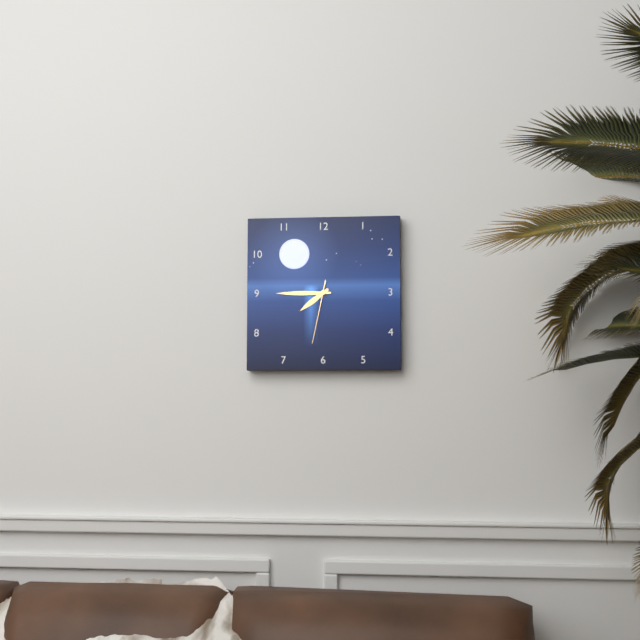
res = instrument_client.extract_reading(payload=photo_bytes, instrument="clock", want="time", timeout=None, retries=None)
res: 7:45:32
